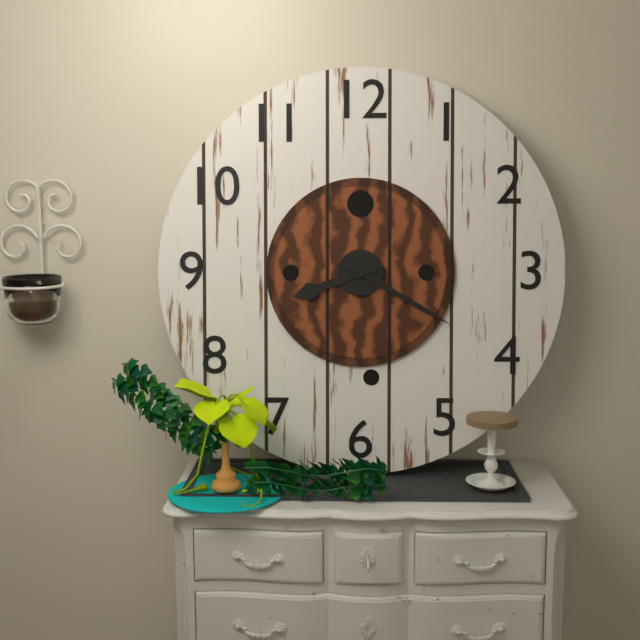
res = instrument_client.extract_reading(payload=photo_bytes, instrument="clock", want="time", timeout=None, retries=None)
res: 8:20
